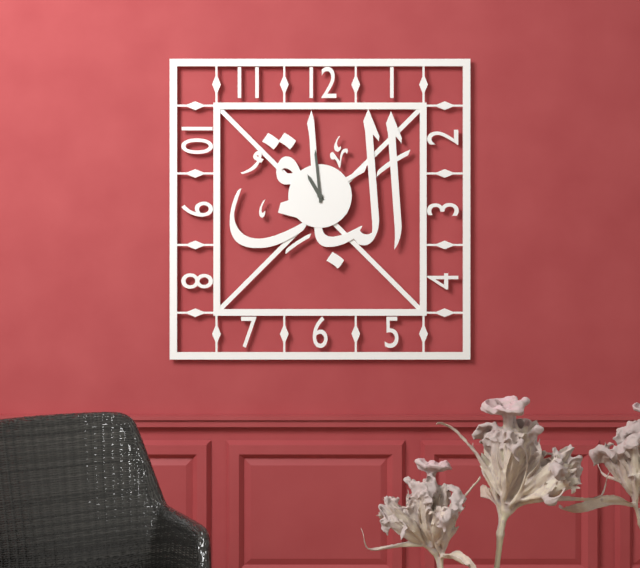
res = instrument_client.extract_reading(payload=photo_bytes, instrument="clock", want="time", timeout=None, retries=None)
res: 10:59
